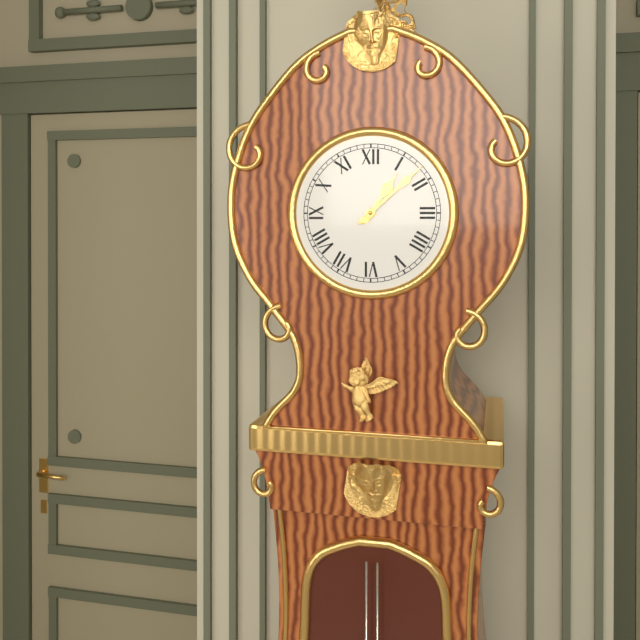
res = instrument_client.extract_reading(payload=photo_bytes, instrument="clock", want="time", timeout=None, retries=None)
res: 1:08
